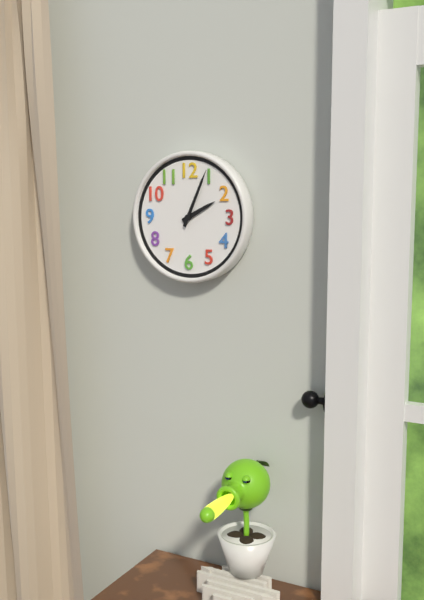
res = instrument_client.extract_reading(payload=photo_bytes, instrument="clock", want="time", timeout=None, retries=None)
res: 2:04
